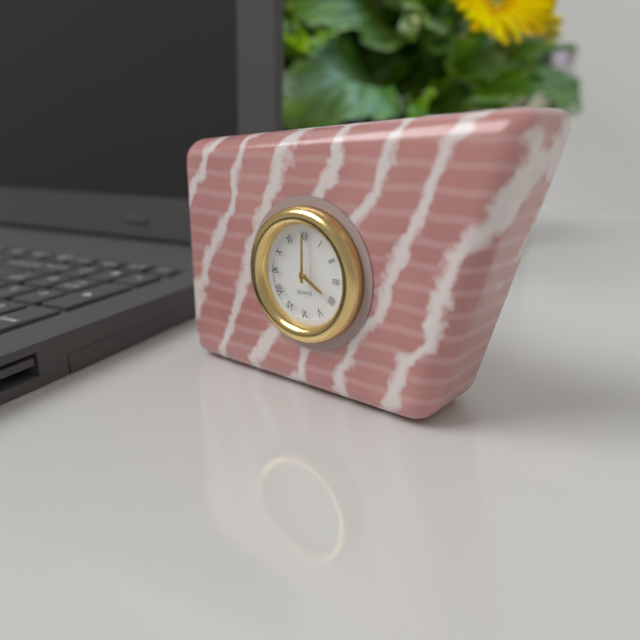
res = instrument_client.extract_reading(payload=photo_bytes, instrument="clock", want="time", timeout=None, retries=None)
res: 4:00
